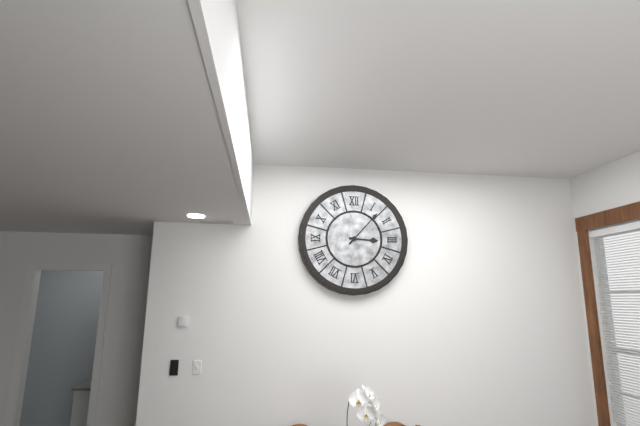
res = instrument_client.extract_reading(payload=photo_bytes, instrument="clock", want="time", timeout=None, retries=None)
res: 3:07
